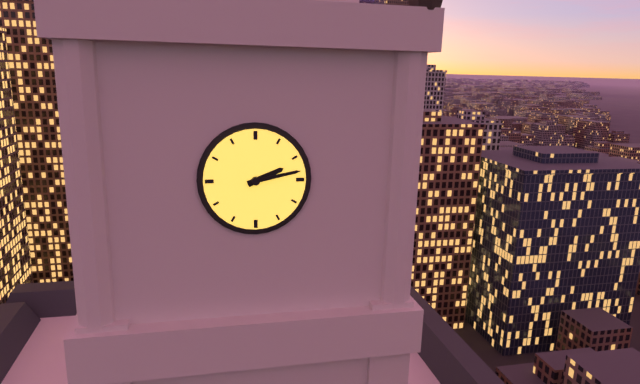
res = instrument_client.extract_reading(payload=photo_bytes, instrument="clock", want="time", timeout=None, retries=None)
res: 2:13
